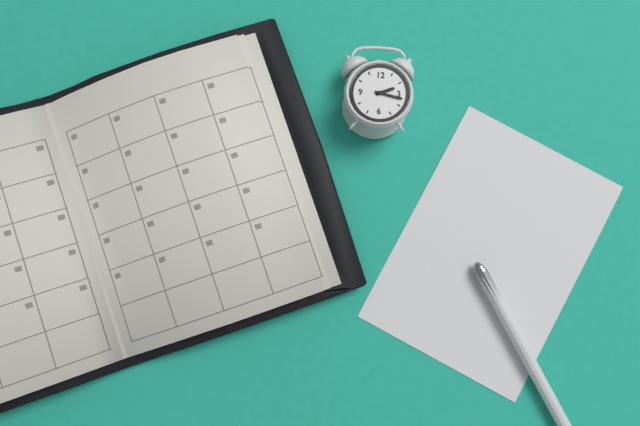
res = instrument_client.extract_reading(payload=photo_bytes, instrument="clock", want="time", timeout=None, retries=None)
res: 2:17
